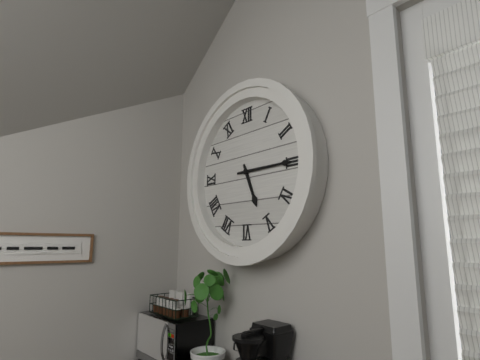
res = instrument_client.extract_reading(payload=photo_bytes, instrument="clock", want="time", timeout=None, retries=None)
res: 5:15
